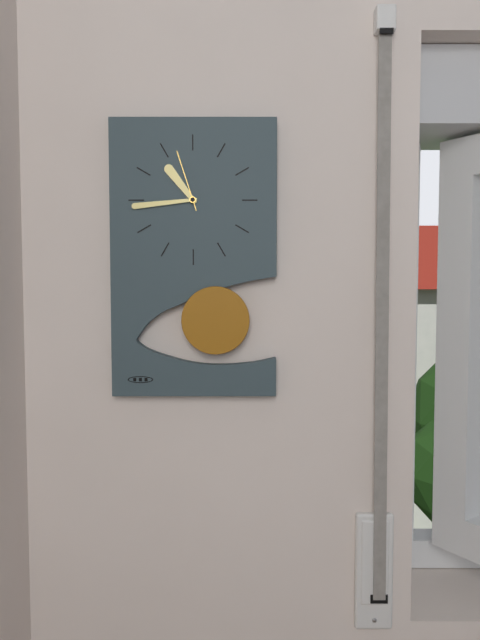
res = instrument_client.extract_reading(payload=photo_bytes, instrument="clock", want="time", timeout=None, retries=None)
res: 10:44:57
